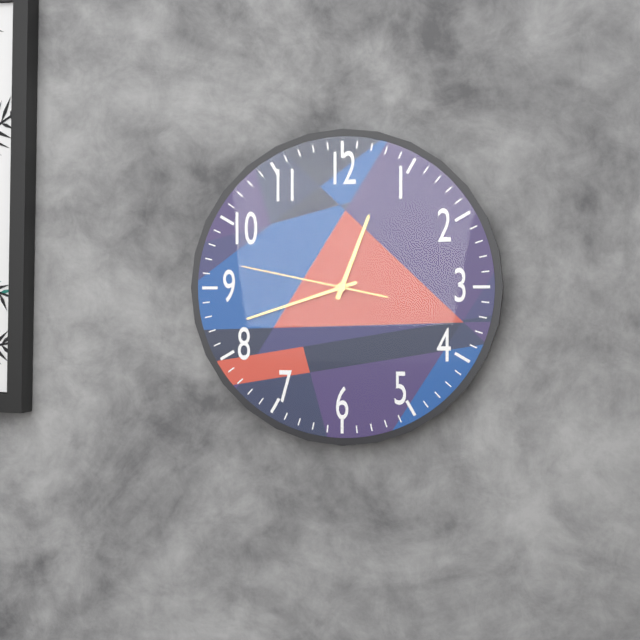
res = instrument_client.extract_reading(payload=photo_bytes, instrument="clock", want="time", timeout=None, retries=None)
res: 12:42:47
